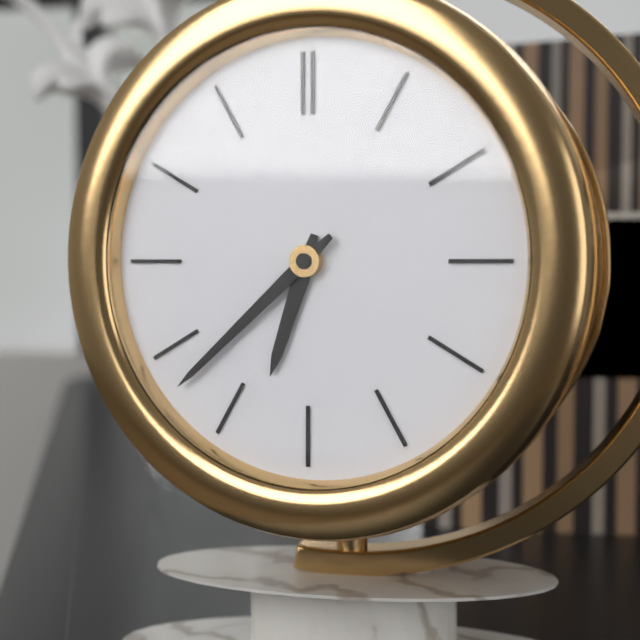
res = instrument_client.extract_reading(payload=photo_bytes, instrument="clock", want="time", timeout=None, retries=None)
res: 6:38
